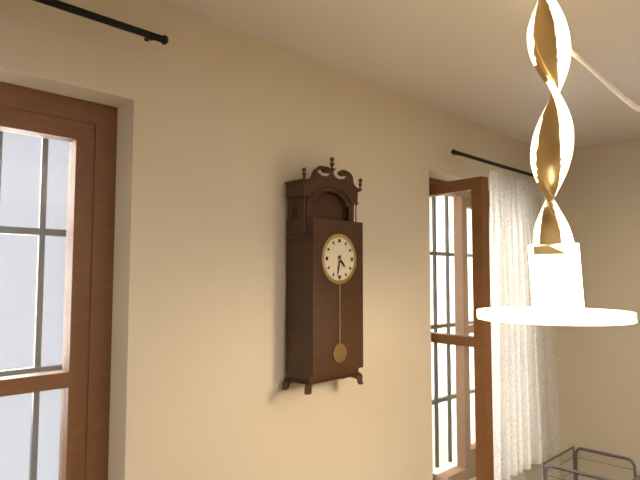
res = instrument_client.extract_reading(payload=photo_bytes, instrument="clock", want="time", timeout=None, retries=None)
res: 4:32
